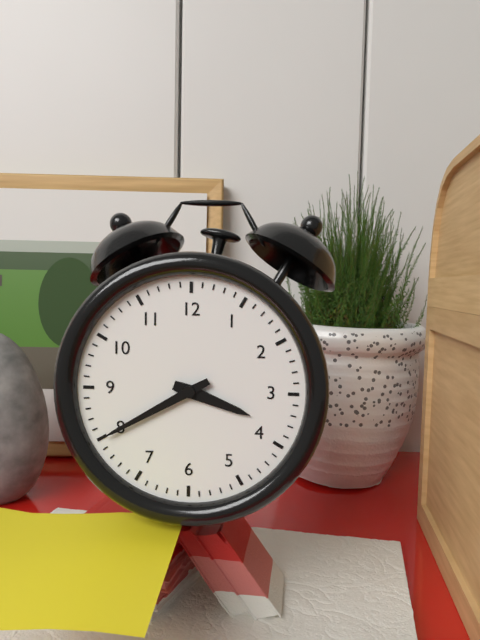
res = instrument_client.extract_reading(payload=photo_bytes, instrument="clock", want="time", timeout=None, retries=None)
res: 3:40
